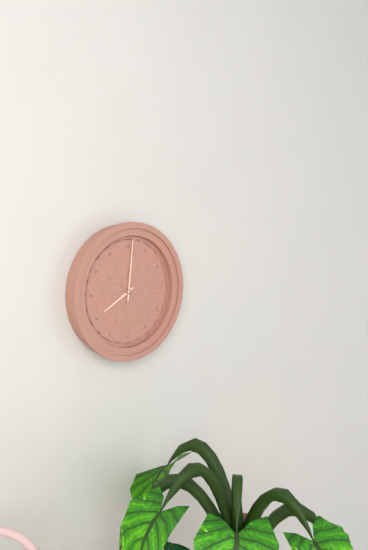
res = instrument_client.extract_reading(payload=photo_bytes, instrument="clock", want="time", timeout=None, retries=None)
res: 8:01
